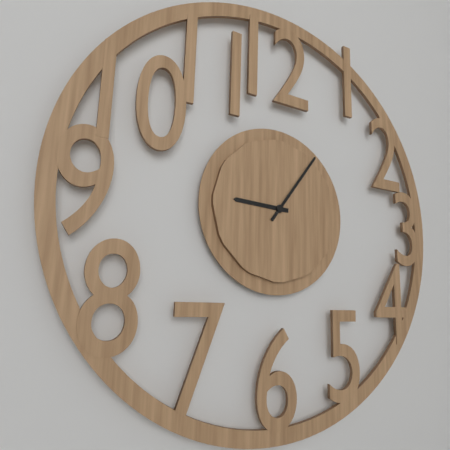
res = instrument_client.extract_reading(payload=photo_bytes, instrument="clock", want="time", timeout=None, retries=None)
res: 9:06
